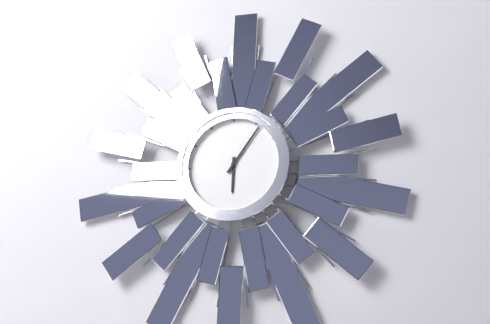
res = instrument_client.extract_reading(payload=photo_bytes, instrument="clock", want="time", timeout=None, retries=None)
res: 6:06
